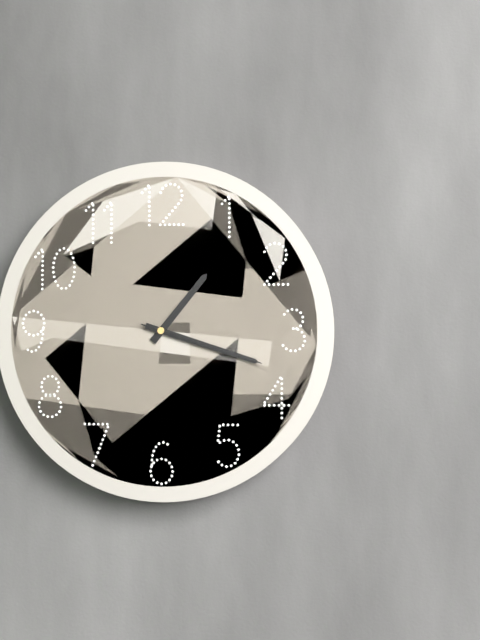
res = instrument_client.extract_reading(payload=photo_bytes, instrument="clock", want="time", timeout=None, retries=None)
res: 1:18:18
